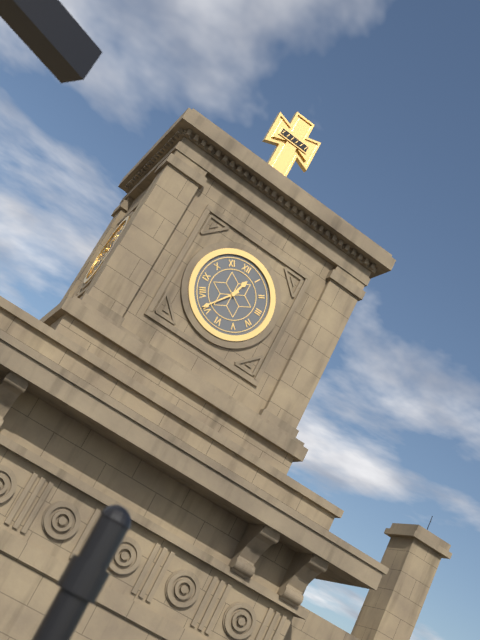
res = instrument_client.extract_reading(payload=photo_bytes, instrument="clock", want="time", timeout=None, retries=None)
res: 12:36
